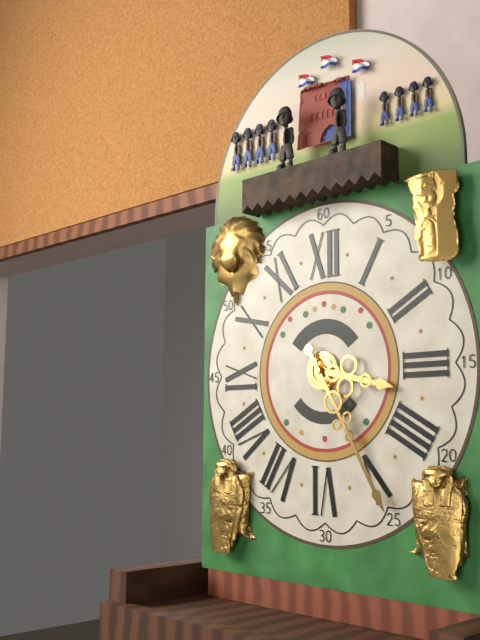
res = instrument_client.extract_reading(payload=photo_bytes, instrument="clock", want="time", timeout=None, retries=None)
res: 3:25
